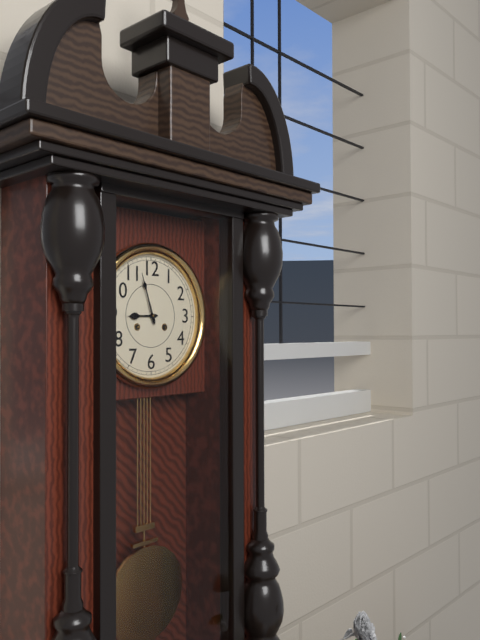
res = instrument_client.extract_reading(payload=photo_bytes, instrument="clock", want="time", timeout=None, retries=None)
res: 8:57
